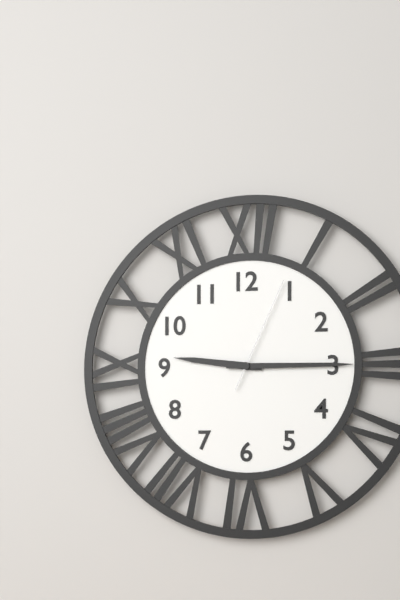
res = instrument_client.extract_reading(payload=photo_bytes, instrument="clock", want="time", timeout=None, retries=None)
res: 9:15:04
